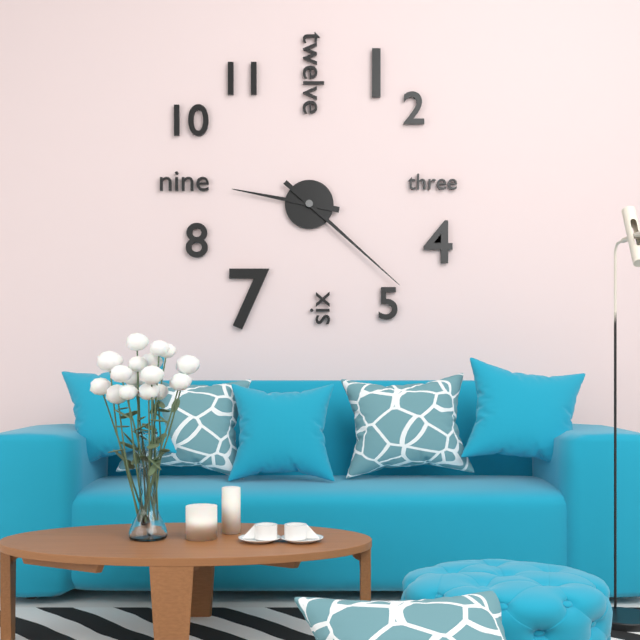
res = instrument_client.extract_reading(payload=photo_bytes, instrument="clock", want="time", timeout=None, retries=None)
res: 9:22
